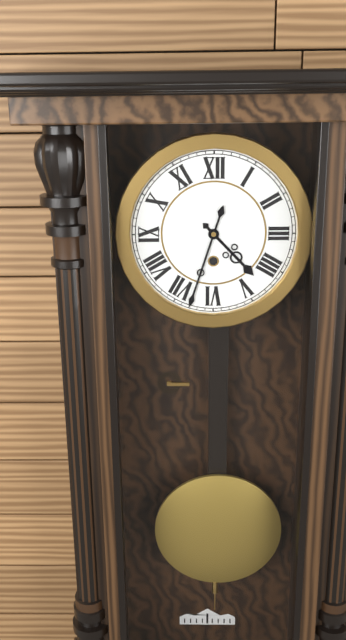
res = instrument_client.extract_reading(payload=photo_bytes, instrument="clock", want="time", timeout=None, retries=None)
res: 4:33
